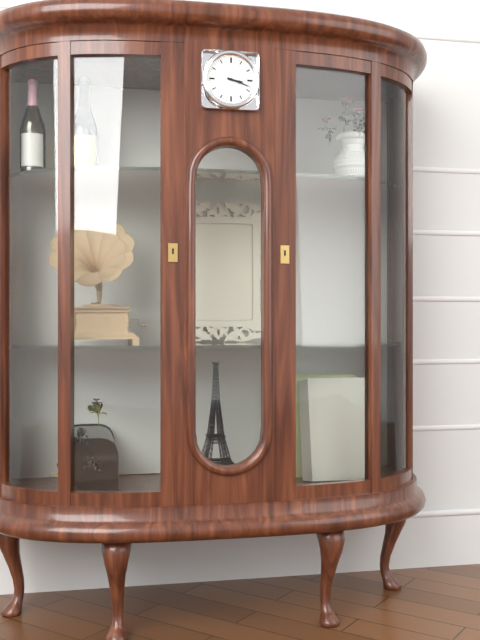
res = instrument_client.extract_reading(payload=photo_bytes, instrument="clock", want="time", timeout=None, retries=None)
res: 3:18
